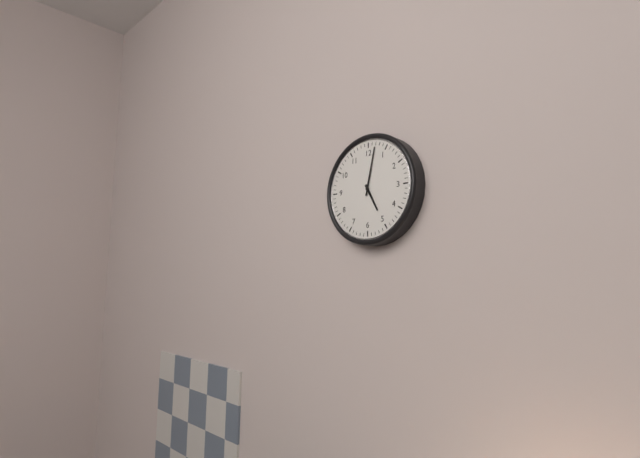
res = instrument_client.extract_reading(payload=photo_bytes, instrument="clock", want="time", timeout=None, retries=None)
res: 5:02
